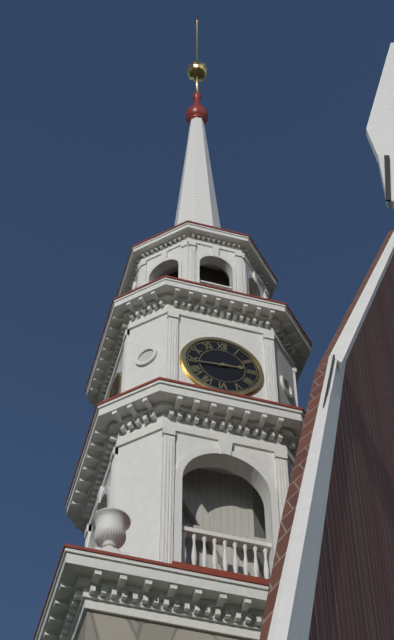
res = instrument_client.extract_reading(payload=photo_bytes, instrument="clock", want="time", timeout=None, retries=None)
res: 2:44
